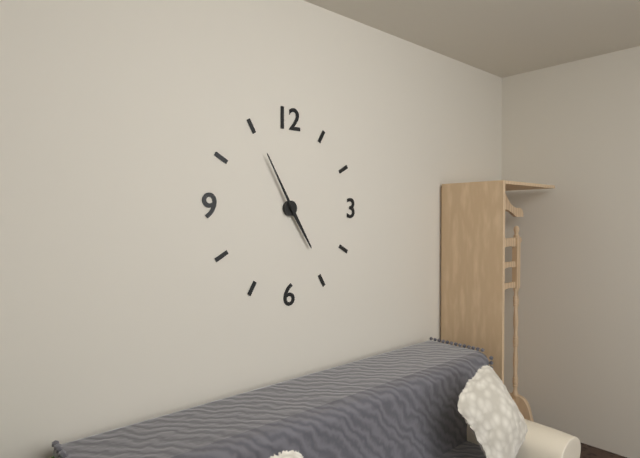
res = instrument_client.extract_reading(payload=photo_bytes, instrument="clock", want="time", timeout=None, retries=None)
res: 4:55
